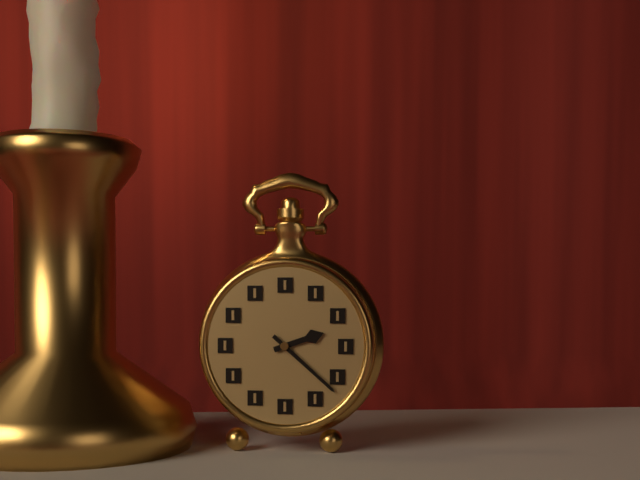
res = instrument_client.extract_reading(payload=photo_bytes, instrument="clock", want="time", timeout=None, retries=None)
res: 2:22
